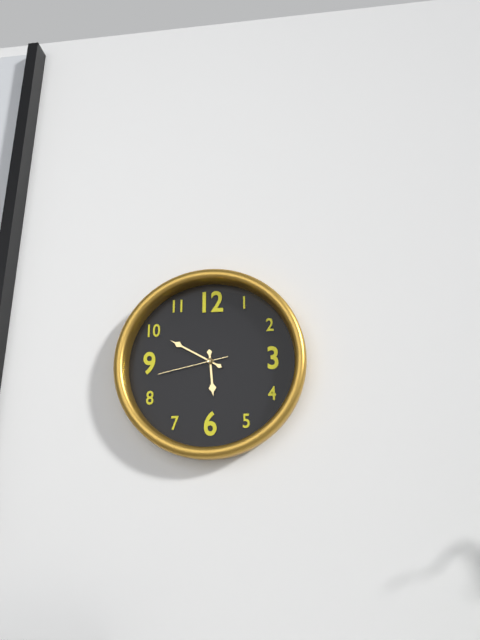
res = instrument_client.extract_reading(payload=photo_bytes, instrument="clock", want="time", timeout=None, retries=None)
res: 5:50:43
